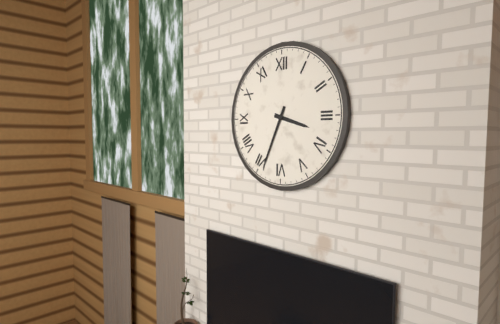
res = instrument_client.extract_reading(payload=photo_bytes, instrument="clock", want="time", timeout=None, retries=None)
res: 3:34
